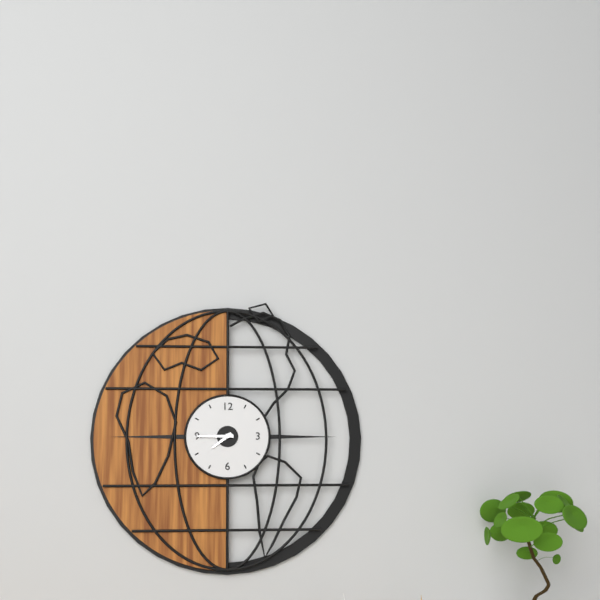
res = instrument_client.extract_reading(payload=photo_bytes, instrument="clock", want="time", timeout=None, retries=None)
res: 7:45
